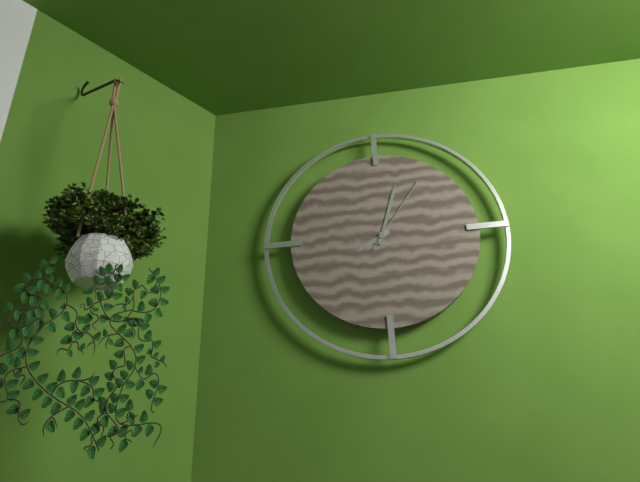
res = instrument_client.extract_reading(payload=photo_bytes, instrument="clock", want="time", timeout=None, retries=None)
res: 8:03:06
